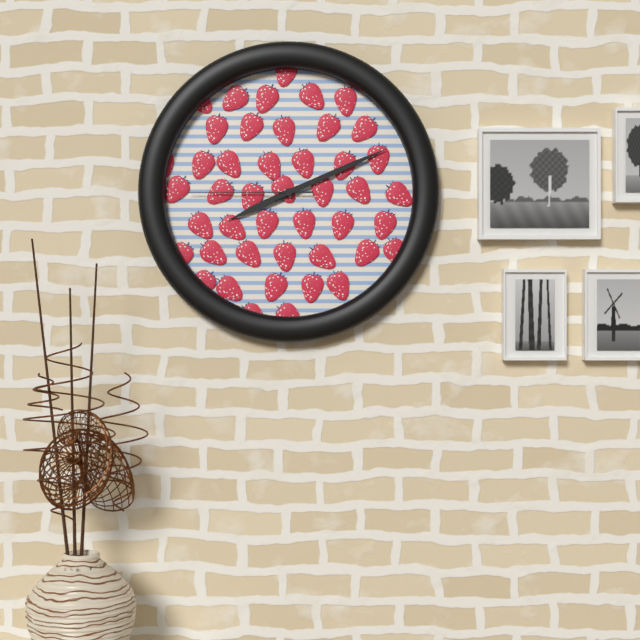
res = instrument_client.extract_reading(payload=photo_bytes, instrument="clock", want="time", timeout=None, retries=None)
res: 8:11:45
